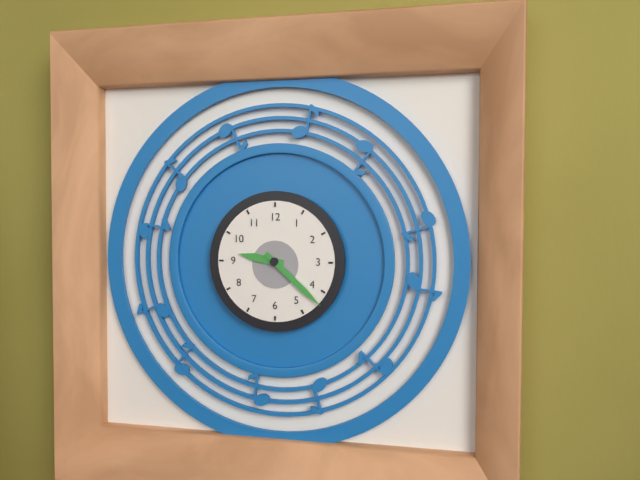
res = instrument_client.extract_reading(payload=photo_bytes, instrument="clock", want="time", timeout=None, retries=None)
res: 9:22
